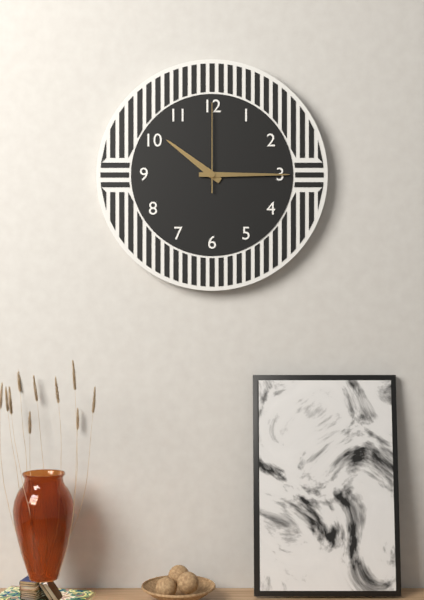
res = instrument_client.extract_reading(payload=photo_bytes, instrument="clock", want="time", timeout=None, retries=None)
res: 10:15:00
